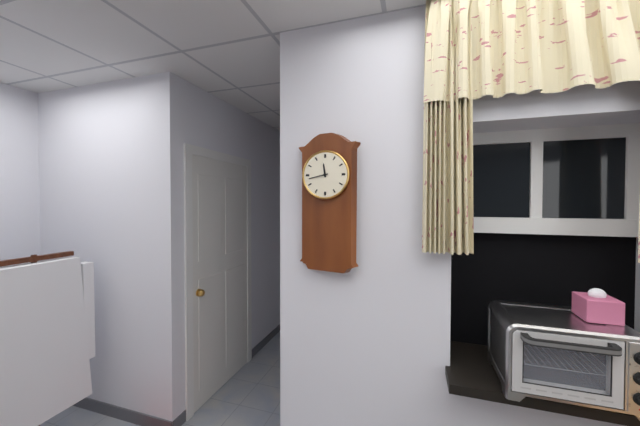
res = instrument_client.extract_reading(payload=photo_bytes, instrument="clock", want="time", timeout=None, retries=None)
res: 11:43
